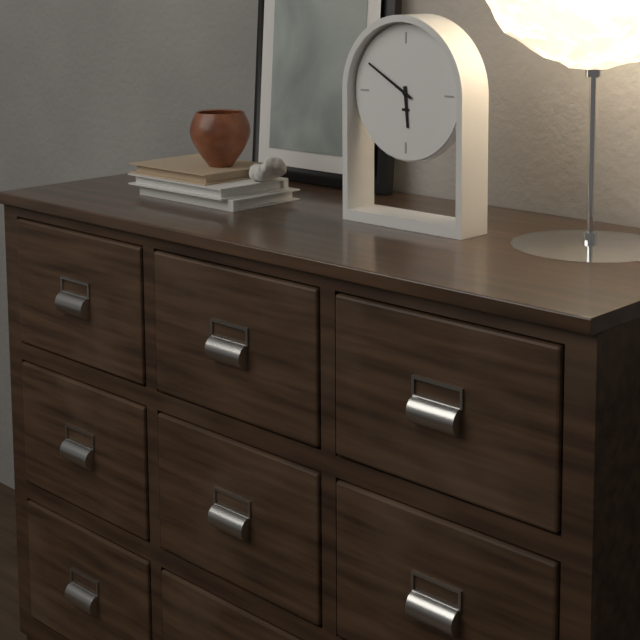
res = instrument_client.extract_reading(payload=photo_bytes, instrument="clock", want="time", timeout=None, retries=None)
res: 5:50
